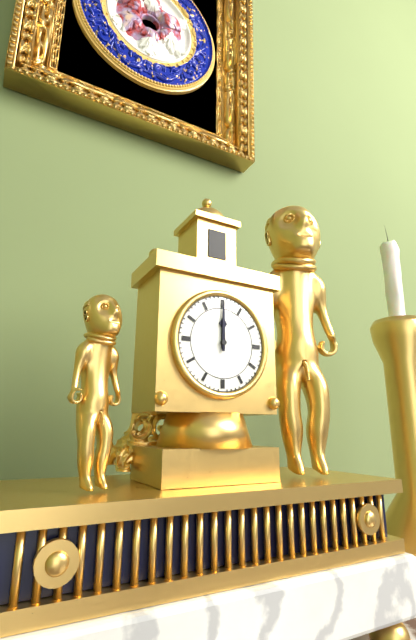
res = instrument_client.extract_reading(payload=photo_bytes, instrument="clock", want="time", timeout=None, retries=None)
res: 12:00
